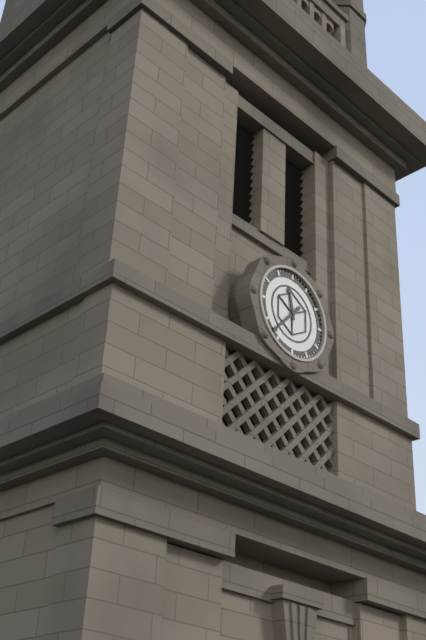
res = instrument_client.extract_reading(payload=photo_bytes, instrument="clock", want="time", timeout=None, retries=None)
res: 11:37
